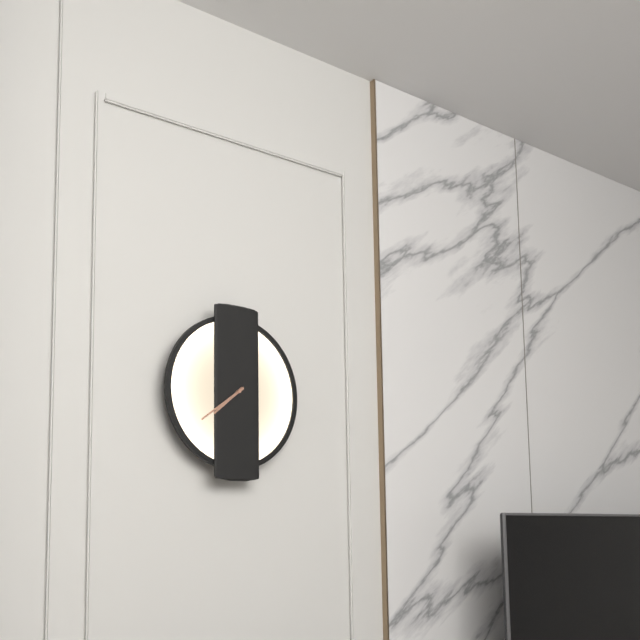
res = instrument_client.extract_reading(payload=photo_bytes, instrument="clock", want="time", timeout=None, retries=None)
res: 7:39
